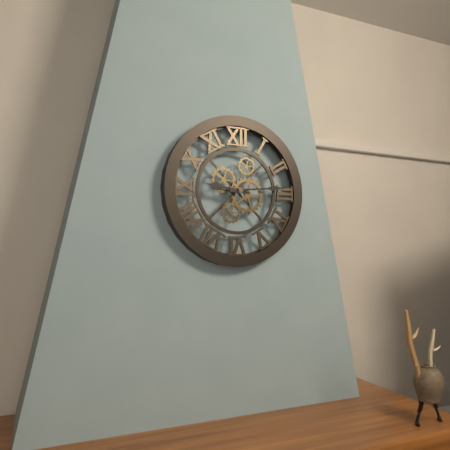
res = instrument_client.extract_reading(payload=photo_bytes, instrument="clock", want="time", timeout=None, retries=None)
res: 9:14
